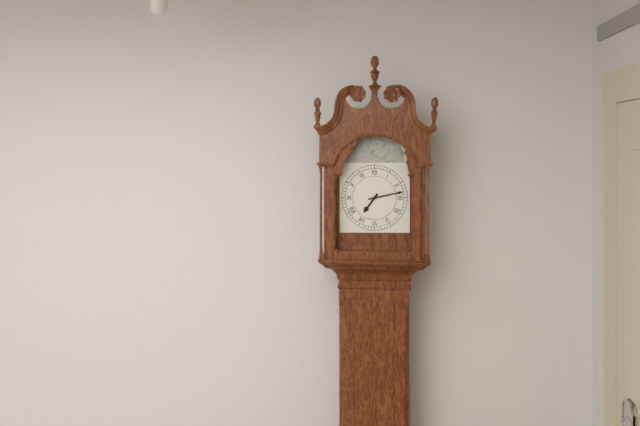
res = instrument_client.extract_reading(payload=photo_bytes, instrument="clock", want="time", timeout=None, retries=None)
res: 7:13
